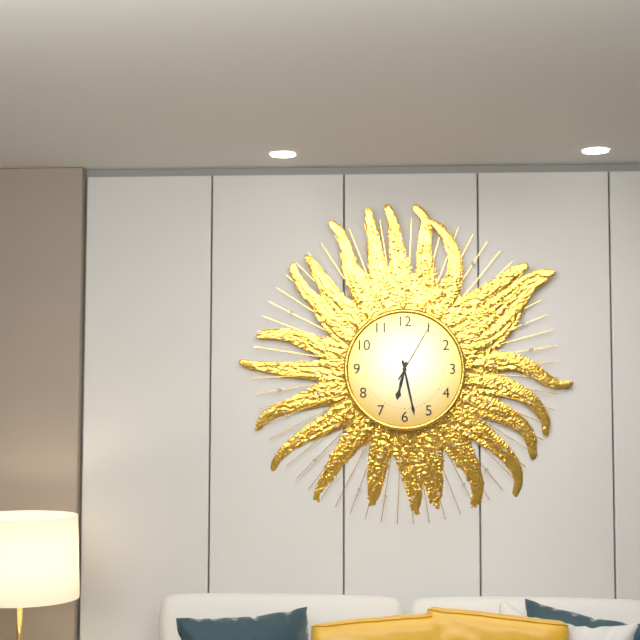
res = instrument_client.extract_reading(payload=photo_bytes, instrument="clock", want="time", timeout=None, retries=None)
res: 6:28:05
